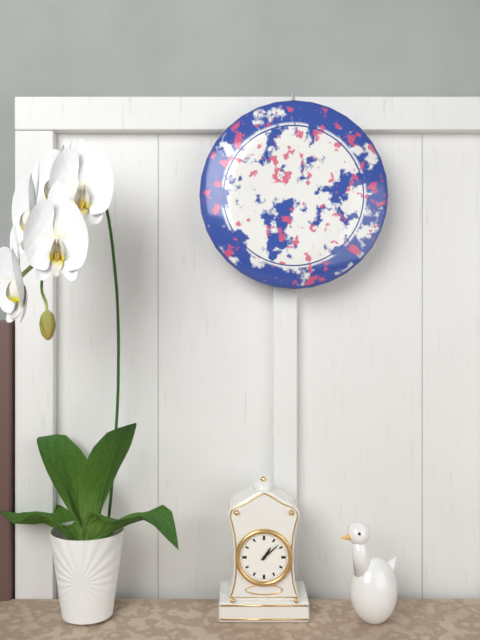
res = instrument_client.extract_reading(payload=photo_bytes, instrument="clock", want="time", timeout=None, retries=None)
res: 1:08
